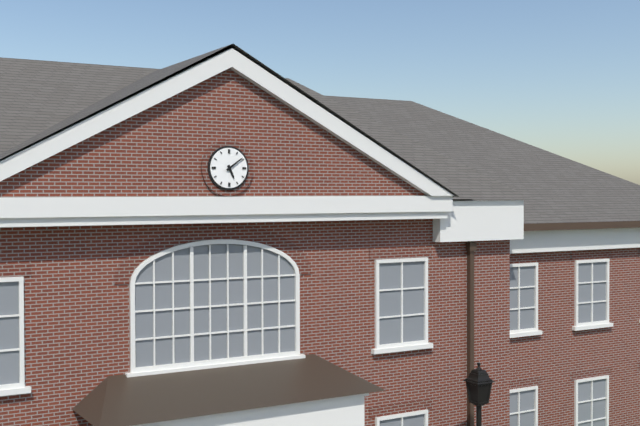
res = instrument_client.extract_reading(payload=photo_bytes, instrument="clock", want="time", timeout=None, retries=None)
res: 5:09
